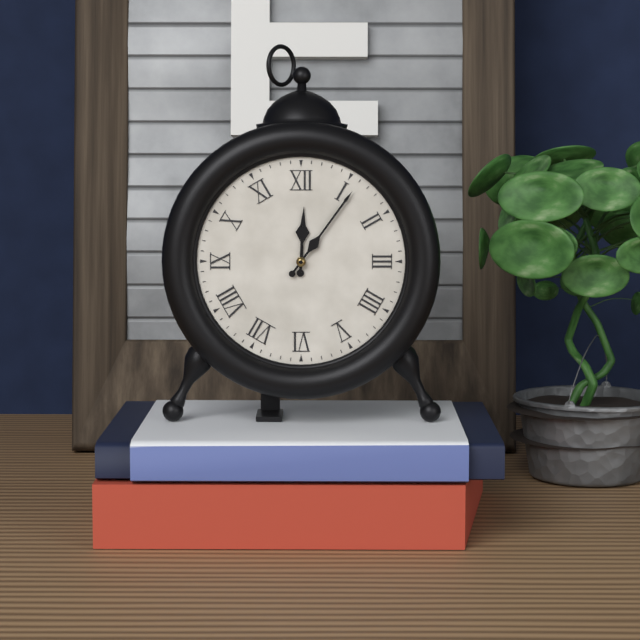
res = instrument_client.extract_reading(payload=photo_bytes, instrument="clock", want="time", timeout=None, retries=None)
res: 12:06
